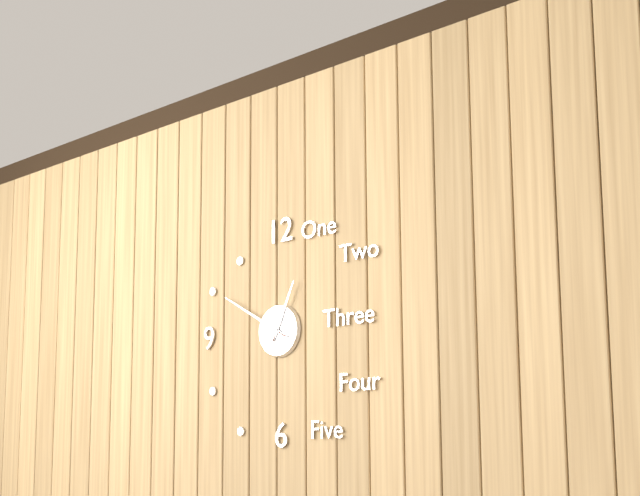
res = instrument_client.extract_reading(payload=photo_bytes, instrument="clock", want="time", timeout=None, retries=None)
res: 12:50
